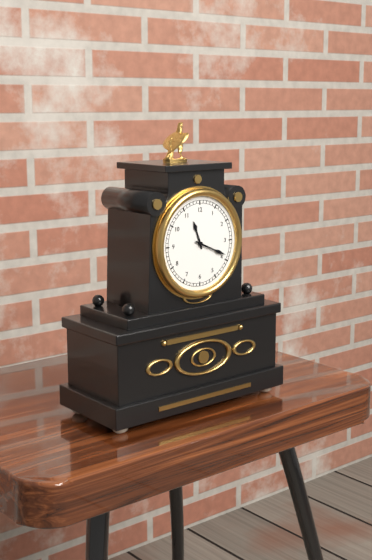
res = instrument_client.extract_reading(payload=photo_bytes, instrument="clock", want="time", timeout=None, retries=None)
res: 11:19
